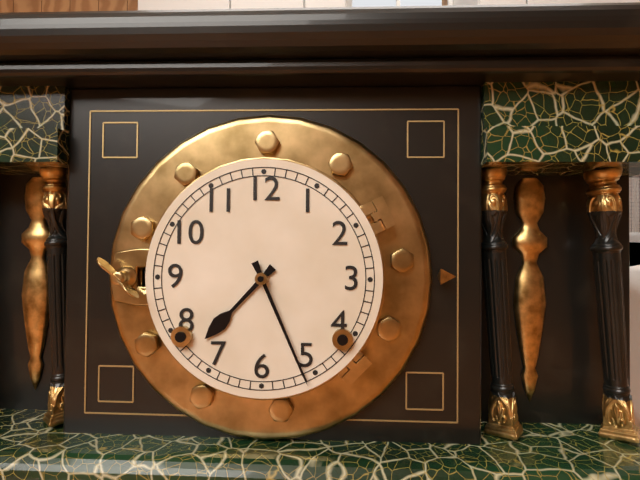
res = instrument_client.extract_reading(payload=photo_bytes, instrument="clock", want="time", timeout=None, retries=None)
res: 7:26
